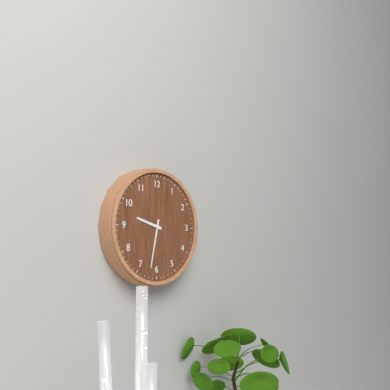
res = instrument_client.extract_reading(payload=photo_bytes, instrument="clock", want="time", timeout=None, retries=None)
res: 9:32
